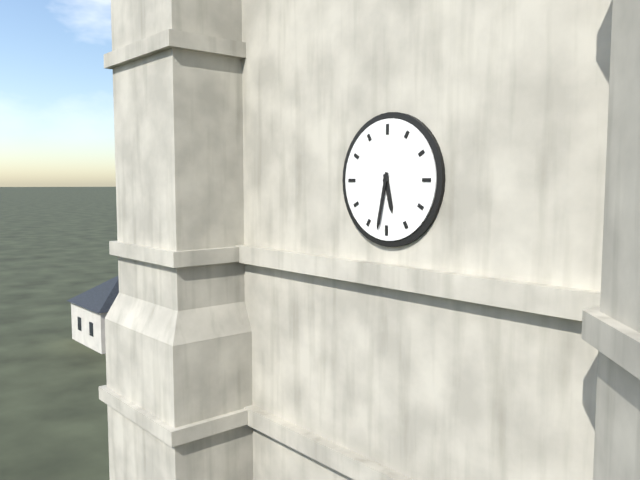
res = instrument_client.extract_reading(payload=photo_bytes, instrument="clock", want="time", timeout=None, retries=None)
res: 5:32
